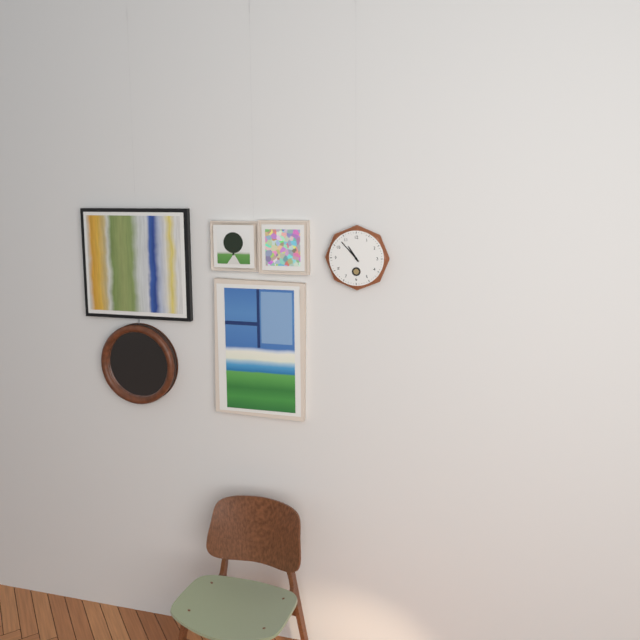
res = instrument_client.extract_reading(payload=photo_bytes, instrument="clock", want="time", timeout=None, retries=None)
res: 10:53
